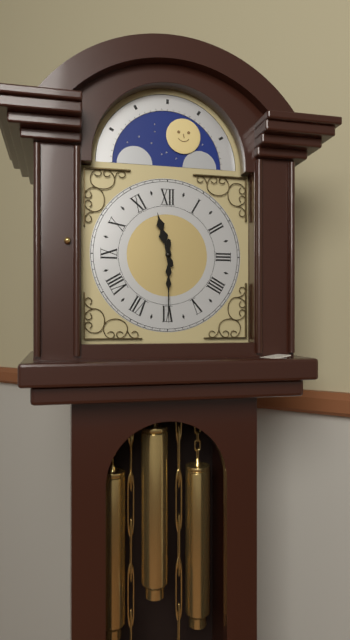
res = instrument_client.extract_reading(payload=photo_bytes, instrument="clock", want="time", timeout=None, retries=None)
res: 11:30
